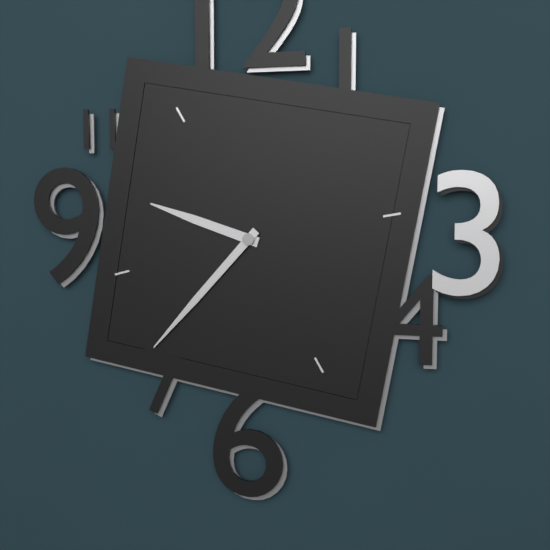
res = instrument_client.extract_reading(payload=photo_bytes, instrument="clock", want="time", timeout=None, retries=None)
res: 9:37
